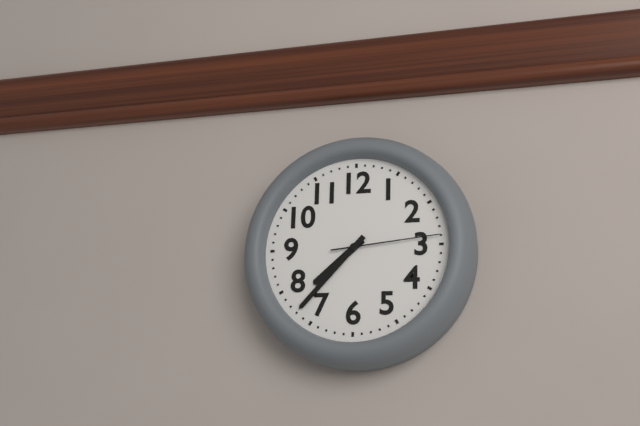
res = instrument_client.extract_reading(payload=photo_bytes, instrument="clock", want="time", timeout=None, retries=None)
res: 7:37:14
